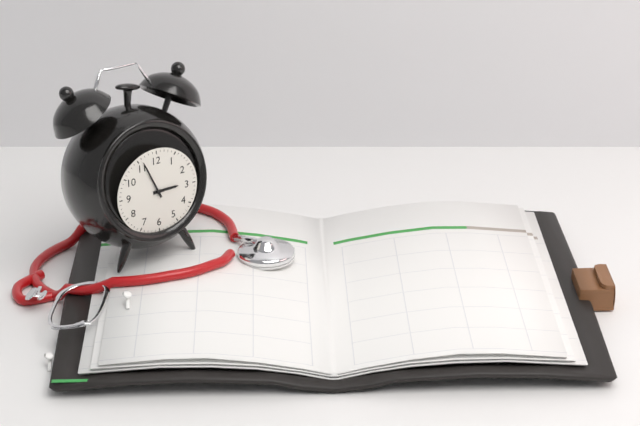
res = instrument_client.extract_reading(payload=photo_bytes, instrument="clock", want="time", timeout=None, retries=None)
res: 2:56
